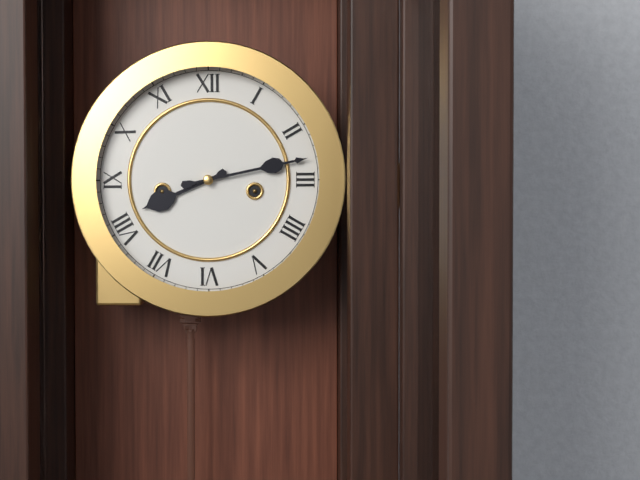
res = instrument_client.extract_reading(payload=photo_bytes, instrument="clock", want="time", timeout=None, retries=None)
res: 8:13
